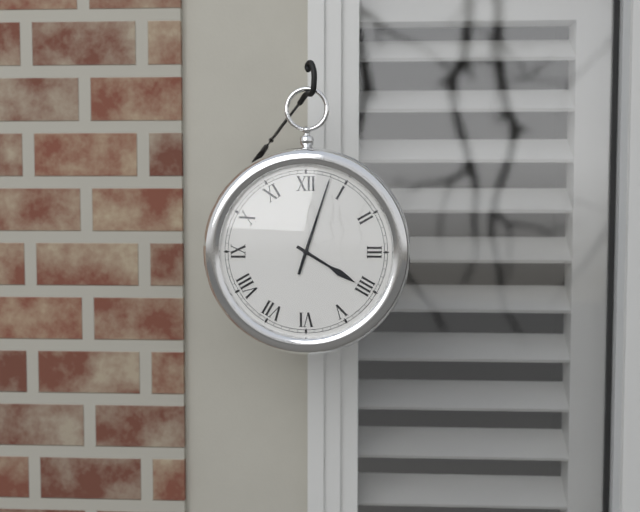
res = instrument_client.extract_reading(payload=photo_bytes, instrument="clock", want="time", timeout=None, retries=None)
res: 4:03
